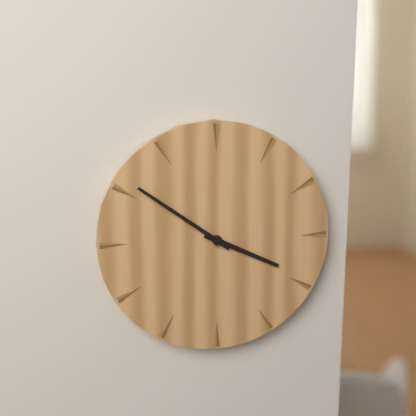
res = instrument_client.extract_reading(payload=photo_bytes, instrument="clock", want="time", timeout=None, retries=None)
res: 3:51
